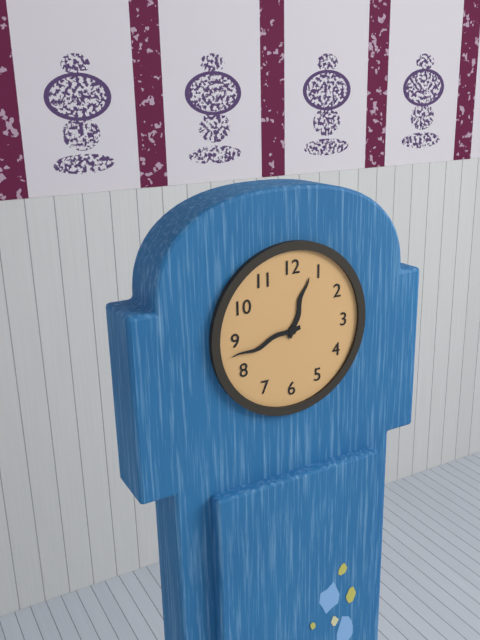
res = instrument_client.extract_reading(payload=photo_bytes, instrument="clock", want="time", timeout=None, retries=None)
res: 12:43
